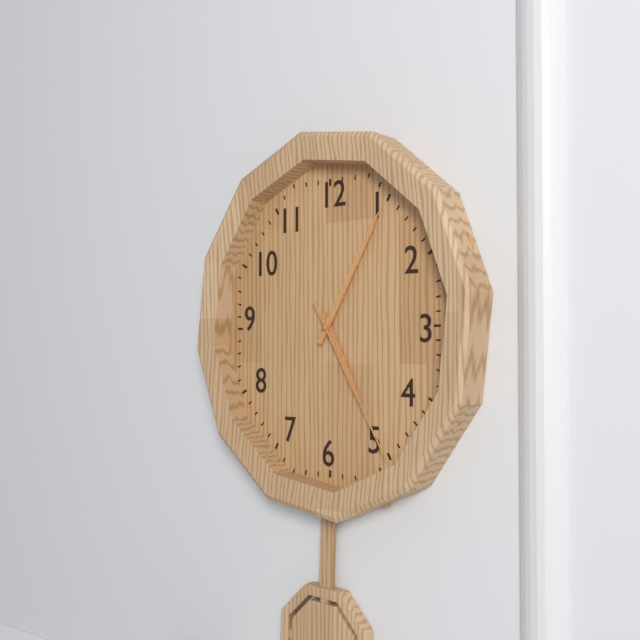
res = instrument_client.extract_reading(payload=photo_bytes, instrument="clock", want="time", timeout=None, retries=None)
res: 5:05:25
